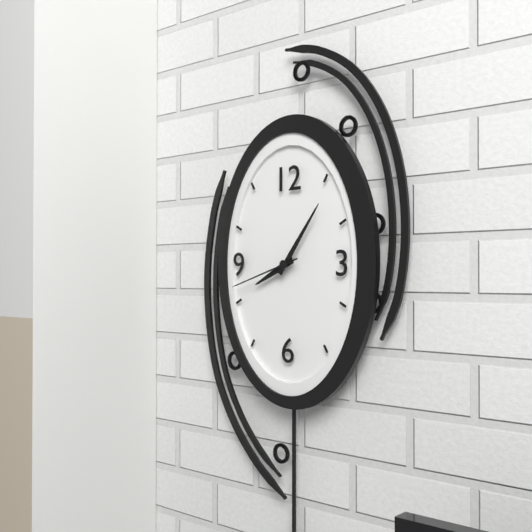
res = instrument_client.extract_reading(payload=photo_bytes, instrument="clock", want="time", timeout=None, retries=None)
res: 8:06:42
